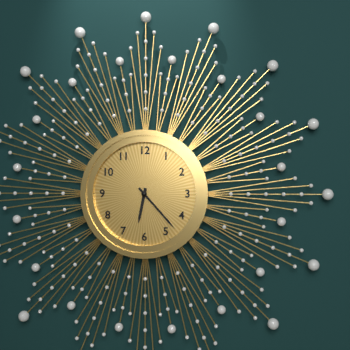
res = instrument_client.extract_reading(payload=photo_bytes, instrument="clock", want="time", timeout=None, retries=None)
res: 6:23
